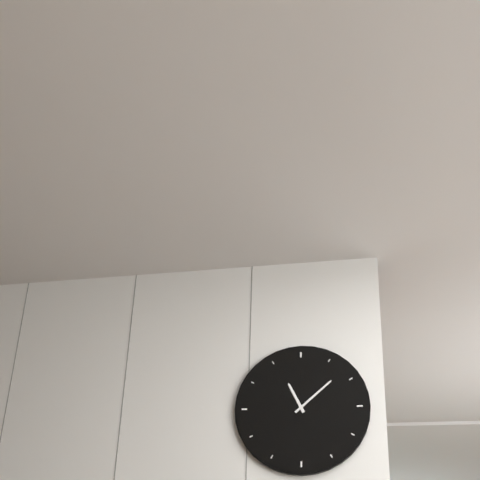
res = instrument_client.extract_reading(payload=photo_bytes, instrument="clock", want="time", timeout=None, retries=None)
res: 11:08
